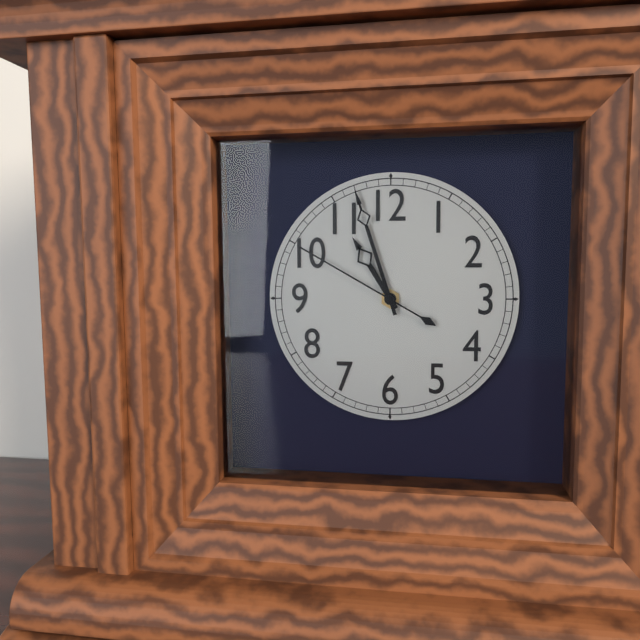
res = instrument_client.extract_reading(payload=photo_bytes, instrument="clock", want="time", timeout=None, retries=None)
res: 10:57:50
